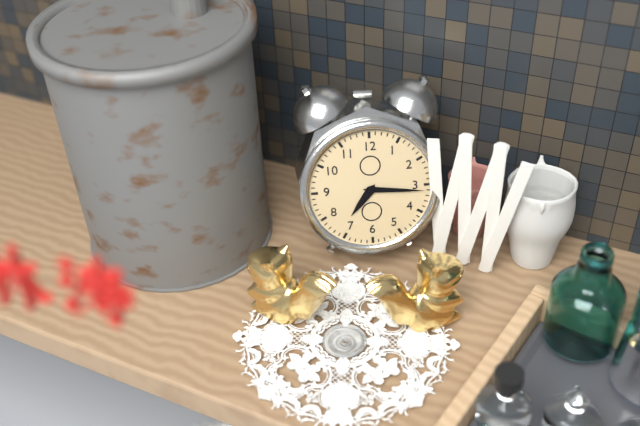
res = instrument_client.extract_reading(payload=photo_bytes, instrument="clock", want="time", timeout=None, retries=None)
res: 7:16
